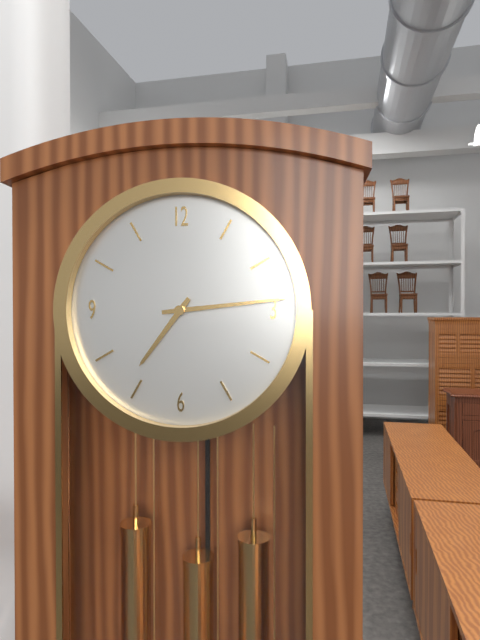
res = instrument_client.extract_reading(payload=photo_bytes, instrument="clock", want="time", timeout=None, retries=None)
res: 7:14
